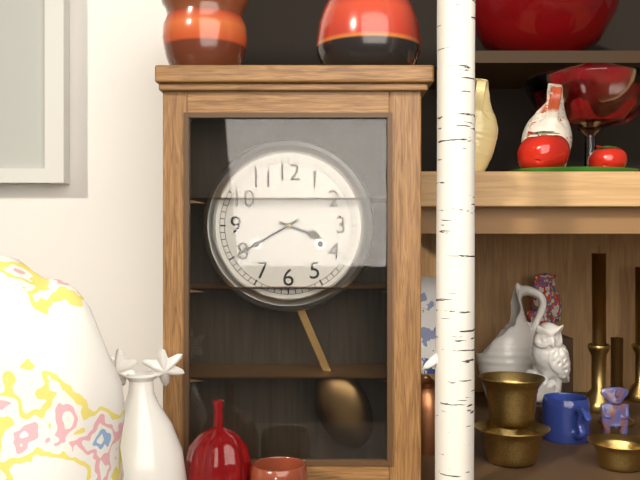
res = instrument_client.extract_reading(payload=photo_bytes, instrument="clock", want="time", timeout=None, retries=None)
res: 3:40
